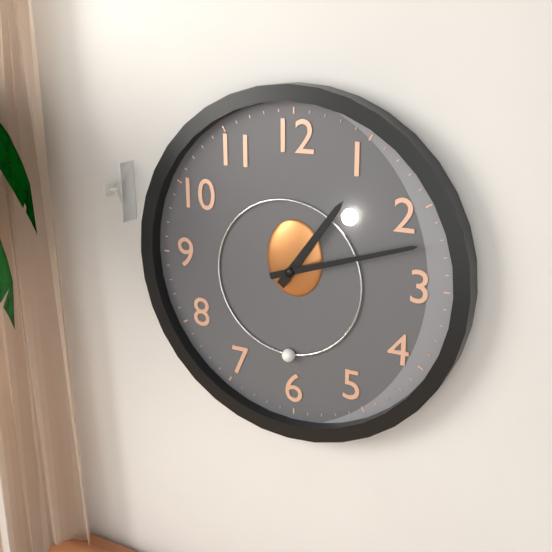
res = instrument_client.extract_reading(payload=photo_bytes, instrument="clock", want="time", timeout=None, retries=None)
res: 1:12
